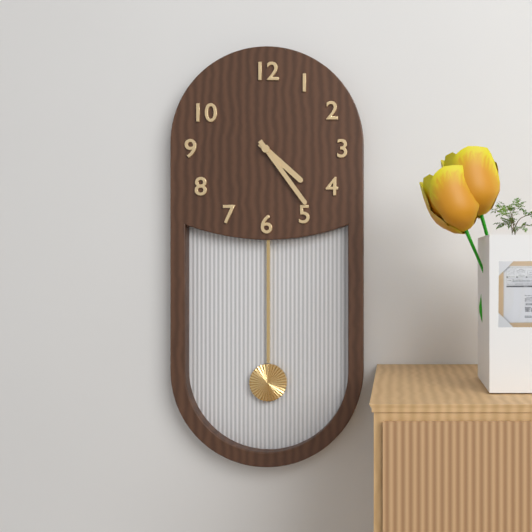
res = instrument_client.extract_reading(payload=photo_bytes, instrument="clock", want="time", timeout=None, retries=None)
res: 4:24
